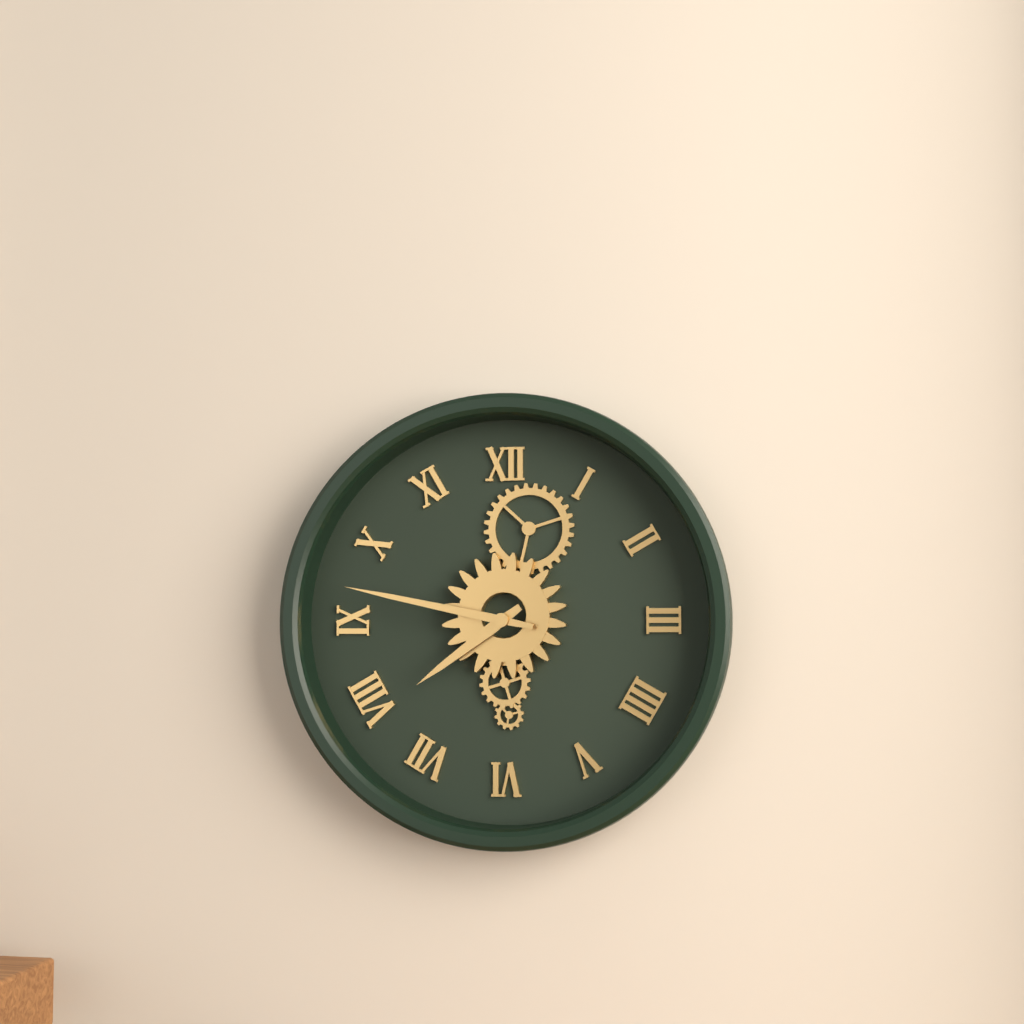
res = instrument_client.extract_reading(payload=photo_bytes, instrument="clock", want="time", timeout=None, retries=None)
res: 7:47
